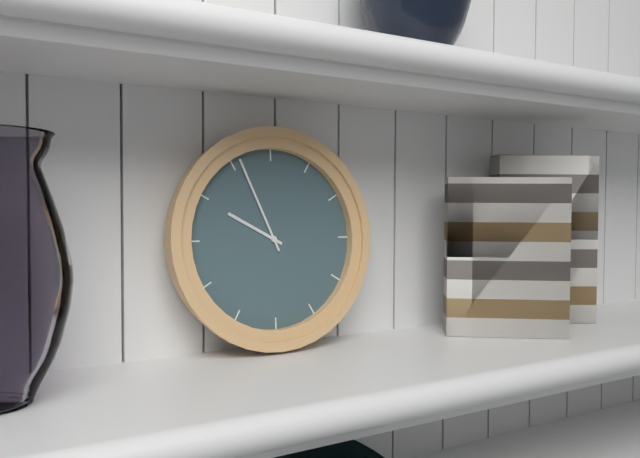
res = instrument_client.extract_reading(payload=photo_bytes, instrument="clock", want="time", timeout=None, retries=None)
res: 9:56
